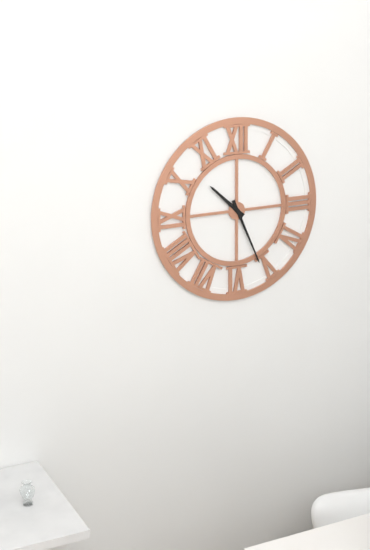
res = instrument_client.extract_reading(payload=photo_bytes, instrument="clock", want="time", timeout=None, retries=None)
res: 10:26
